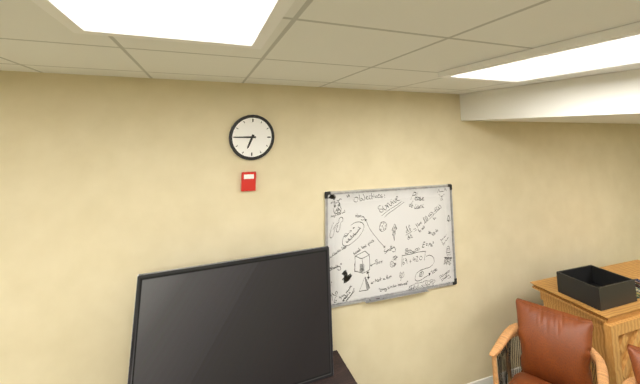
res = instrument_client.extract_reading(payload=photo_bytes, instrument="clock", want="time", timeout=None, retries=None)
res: 6:45
